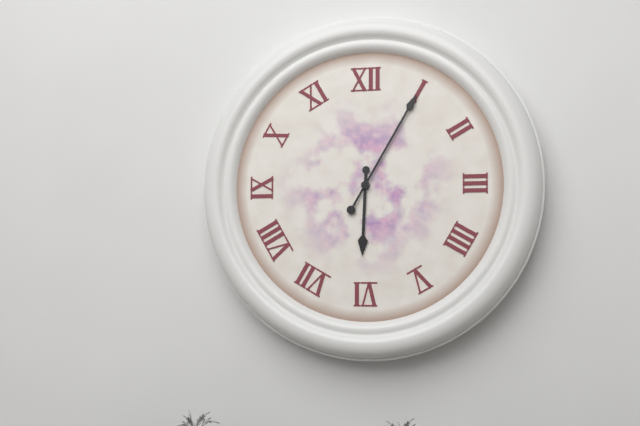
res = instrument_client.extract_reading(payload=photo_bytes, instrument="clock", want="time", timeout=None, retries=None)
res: 6:05
